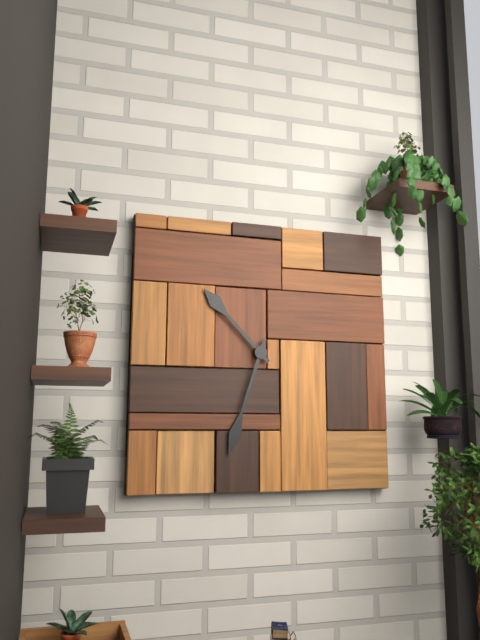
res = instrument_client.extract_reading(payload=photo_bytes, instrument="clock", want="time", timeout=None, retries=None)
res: 10:33
